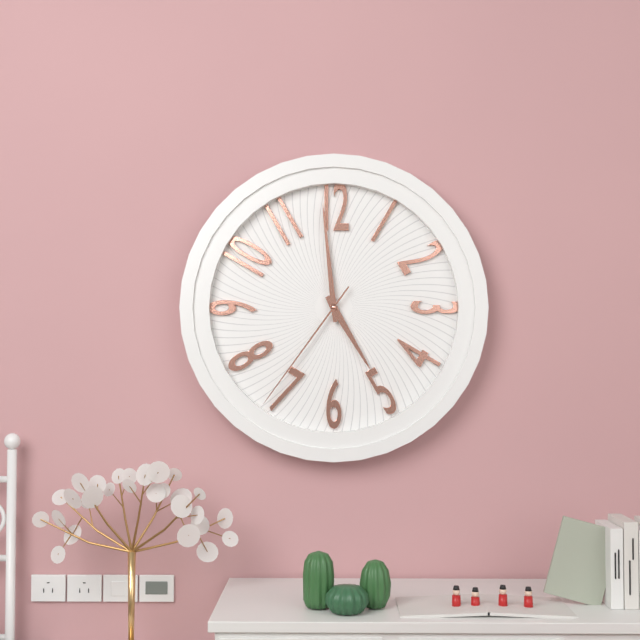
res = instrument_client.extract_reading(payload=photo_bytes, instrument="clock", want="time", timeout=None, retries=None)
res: 4:59:36
